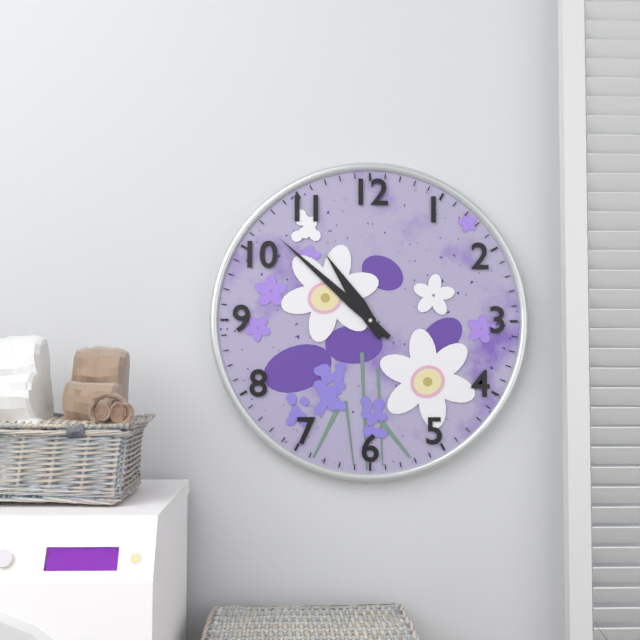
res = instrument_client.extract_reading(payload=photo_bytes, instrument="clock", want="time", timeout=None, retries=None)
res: 10:52
